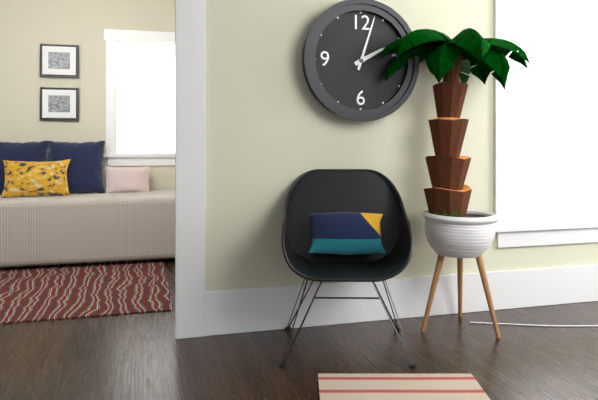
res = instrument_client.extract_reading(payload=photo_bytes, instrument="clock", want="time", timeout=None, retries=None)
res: 2:03
